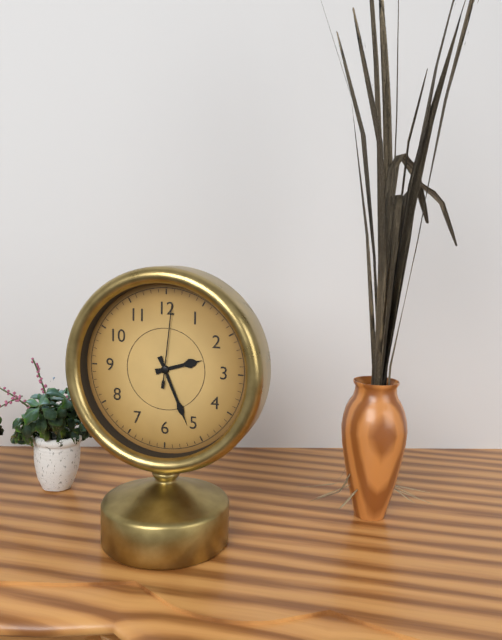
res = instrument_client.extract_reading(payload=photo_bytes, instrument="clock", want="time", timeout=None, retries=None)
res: 2:26:01
